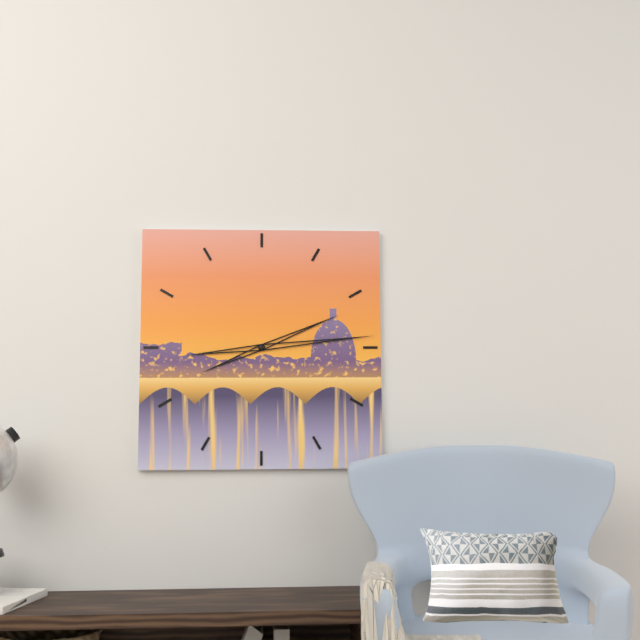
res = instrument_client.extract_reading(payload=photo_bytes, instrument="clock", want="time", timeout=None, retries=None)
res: 2:14
